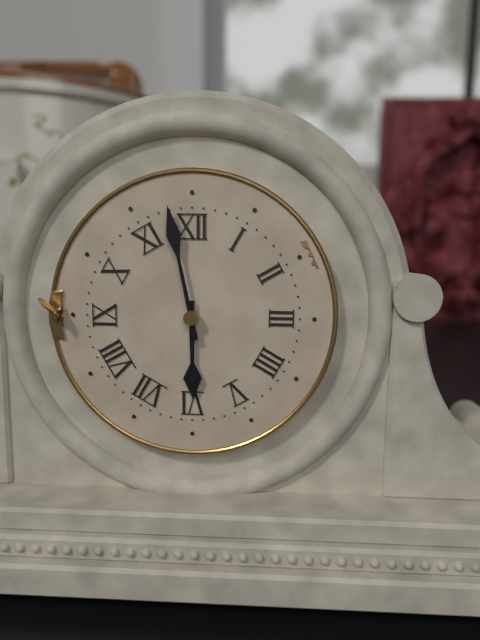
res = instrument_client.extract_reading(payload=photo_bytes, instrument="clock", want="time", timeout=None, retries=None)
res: 5:58
